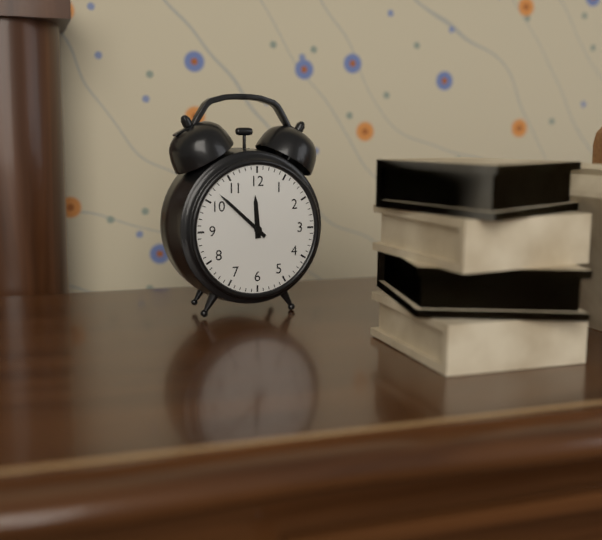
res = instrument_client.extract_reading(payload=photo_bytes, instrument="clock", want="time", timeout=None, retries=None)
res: 11:52
